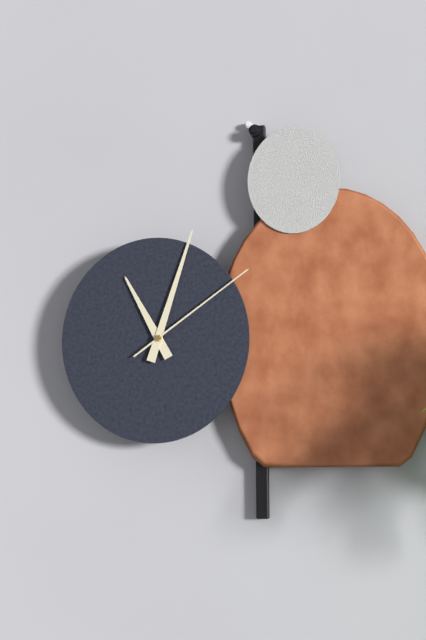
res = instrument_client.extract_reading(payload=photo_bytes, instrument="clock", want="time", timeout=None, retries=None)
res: 11:03:09
